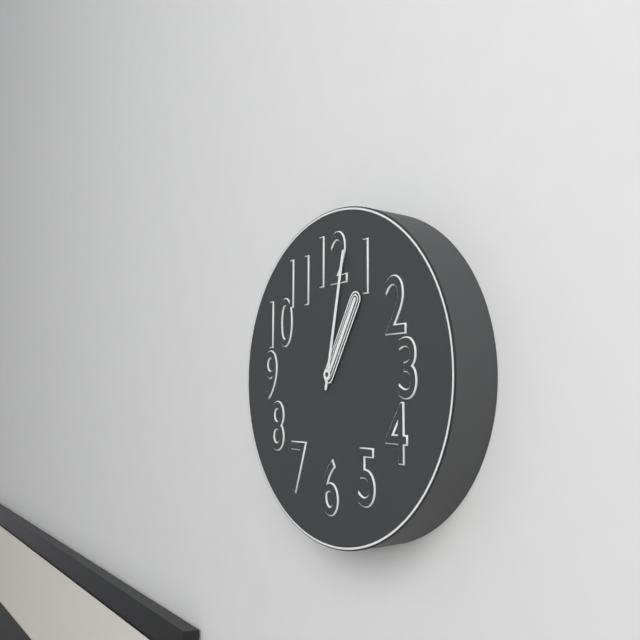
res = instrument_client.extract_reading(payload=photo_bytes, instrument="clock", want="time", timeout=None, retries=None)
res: 1:02
